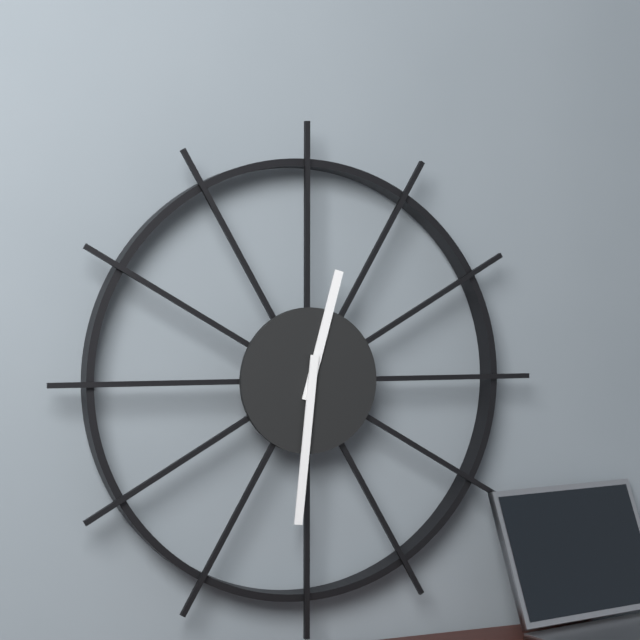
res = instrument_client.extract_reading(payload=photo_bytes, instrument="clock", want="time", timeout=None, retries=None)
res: 12:31
